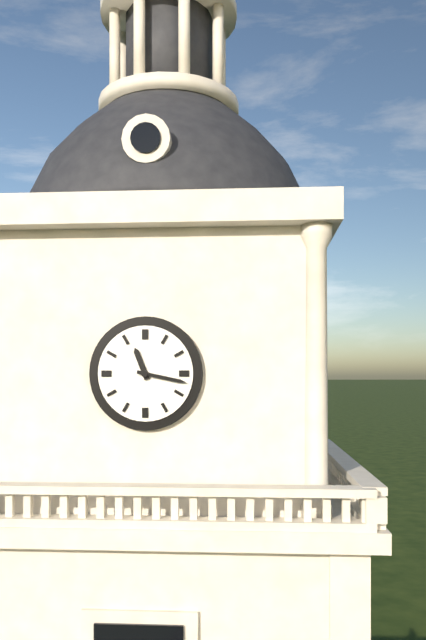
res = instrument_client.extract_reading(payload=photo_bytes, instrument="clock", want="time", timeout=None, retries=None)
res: 11:17
